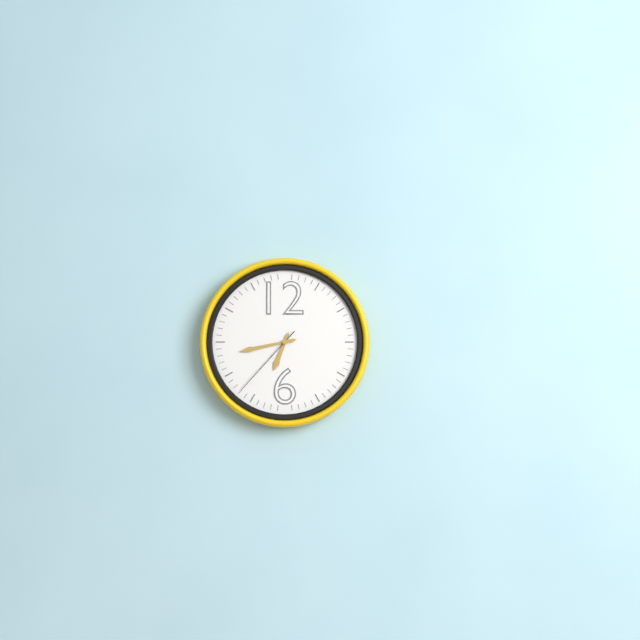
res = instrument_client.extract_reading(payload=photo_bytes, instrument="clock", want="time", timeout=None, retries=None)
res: 6:43:37
